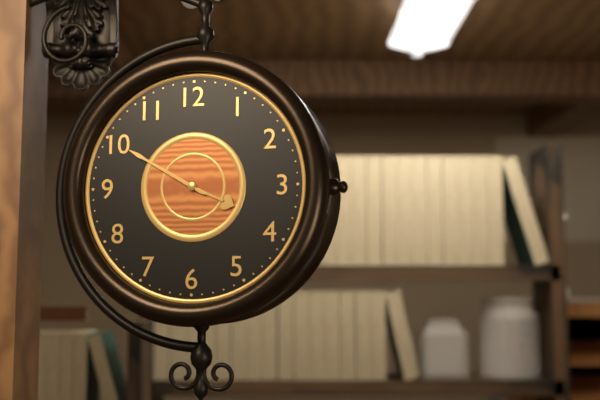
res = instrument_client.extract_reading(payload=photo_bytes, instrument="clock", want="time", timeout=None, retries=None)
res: 3:50
